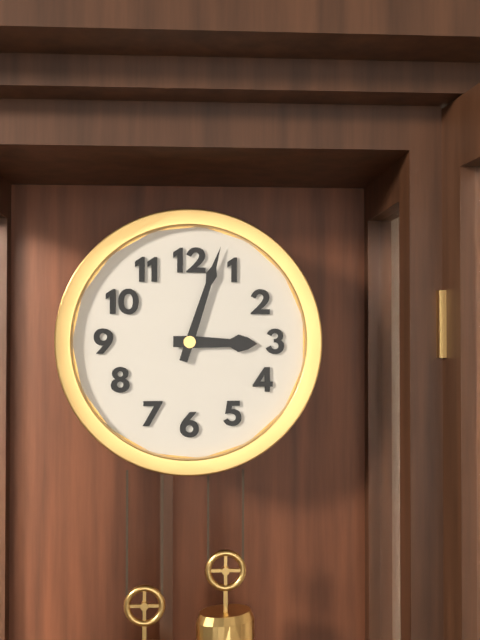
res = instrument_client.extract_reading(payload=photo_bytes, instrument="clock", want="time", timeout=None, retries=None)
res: 3:03
